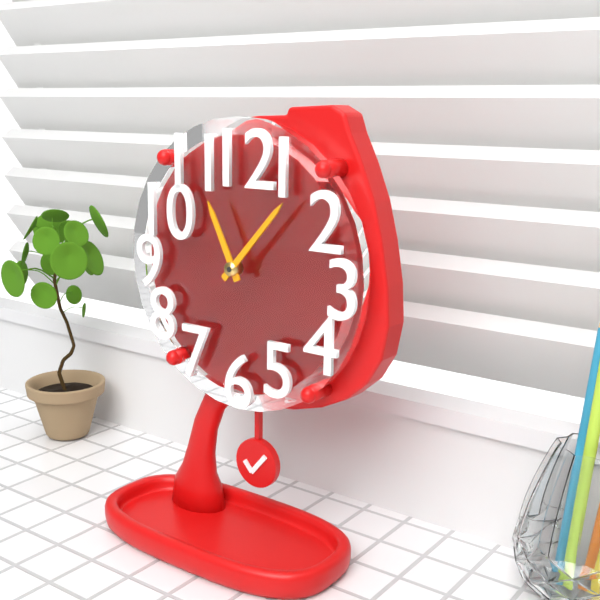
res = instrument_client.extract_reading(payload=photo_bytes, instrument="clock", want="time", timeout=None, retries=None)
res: 11:07
